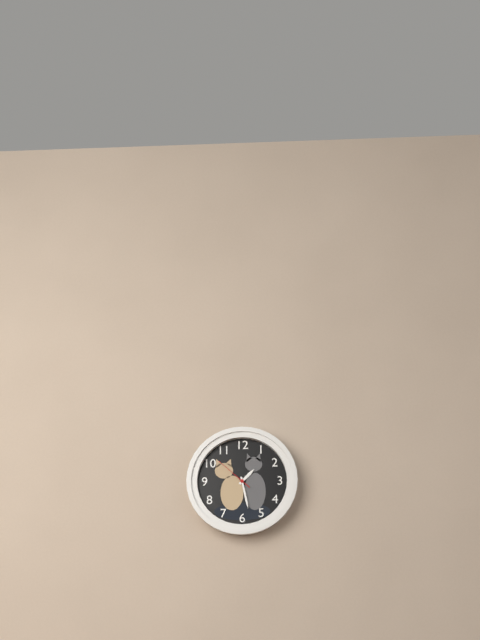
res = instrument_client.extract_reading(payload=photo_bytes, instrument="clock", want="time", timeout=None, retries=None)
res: 1:28
